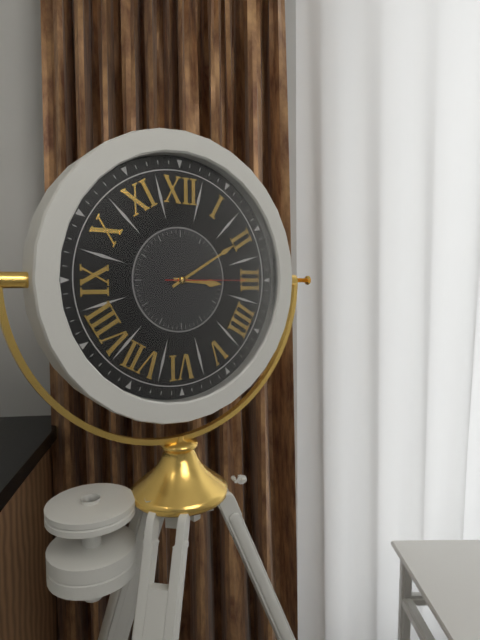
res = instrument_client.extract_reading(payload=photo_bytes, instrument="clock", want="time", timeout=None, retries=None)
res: 3:10:15
